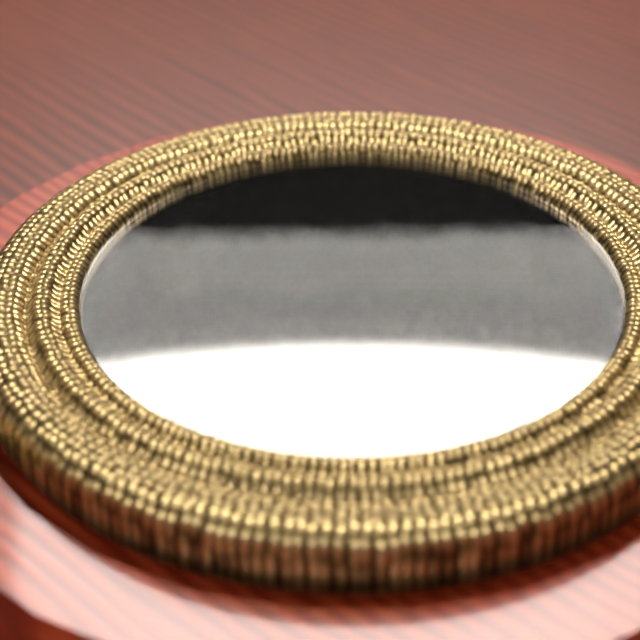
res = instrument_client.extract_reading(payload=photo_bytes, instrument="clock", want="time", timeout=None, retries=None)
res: 11:40:04
